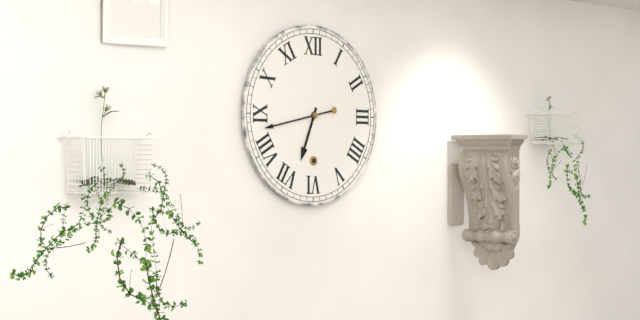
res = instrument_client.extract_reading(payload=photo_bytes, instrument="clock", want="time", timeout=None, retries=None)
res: 6:43
